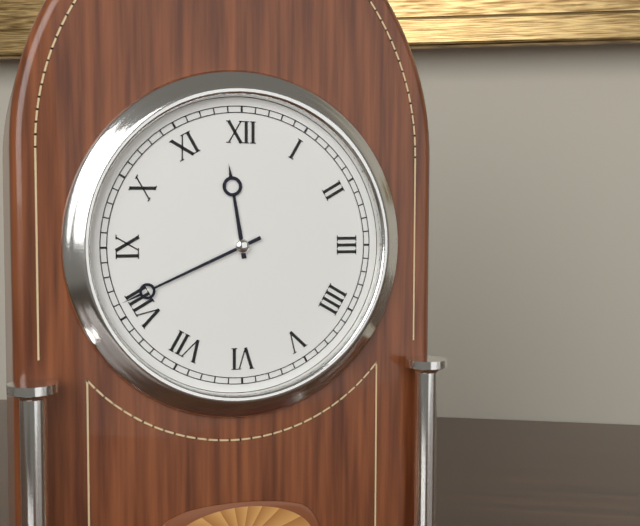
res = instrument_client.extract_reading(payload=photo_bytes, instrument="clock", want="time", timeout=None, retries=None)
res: 11:41
